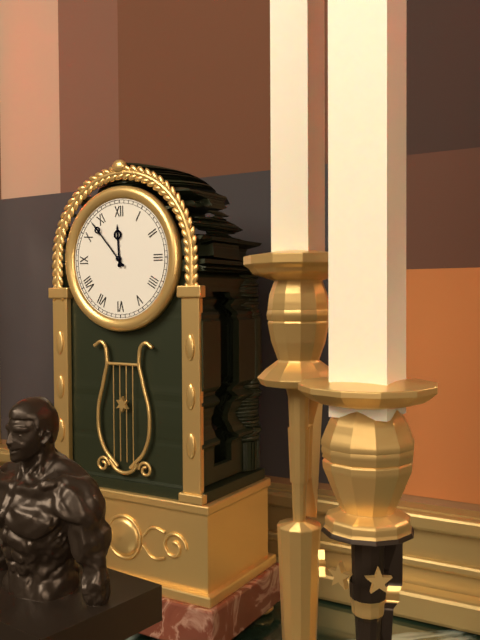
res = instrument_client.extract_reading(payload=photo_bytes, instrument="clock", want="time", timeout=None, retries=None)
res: 11:53
